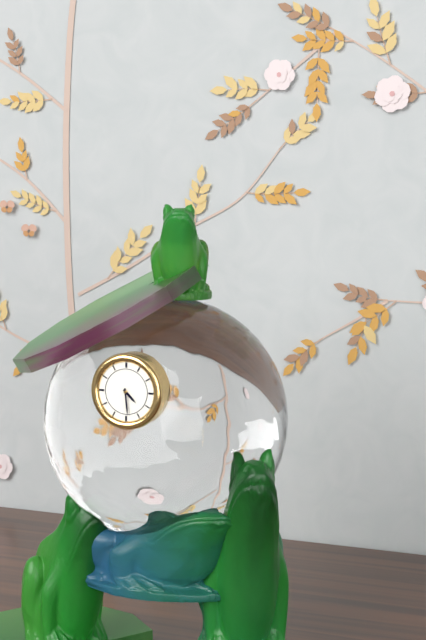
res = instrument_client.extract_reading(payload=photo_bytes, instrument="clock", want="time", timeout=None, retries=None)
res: 4:29
